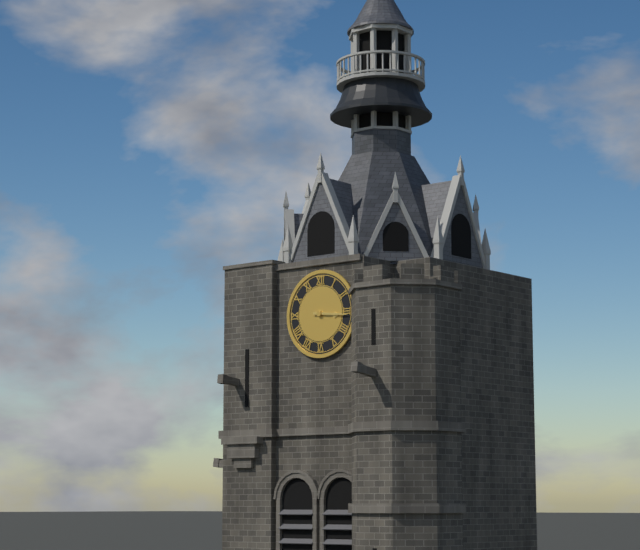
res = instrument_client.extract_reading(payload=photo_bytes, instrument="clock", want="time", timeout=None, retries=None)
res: 3:16
